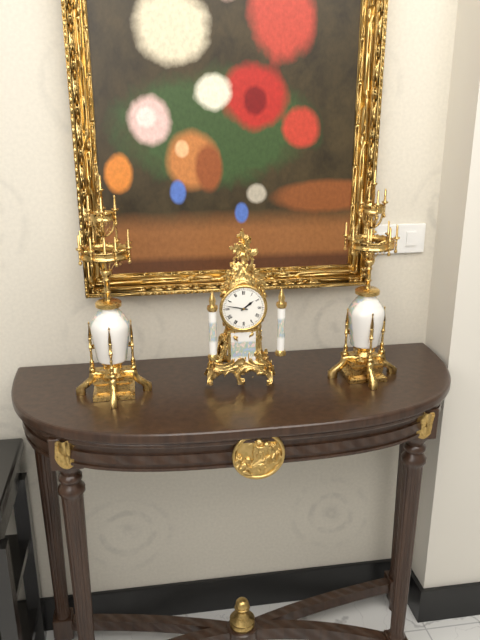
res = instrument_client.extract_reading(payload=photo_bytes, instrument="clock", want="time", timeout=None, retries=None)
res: 1:47
